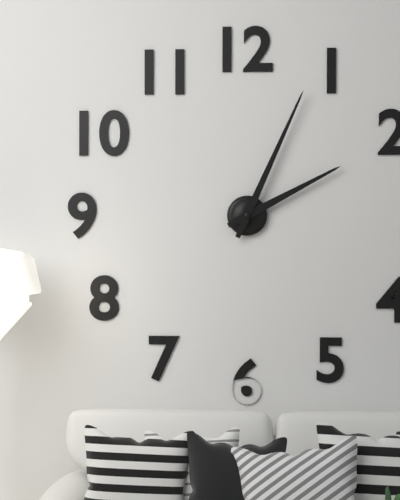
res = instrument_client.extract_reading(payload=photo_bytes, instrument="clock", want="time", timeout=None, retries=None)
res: 2:04
